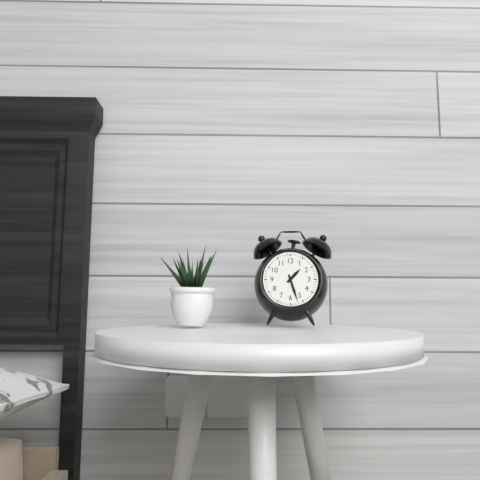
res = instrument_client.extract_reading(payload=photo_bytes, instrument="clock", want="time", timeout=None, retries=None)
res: 1:27
